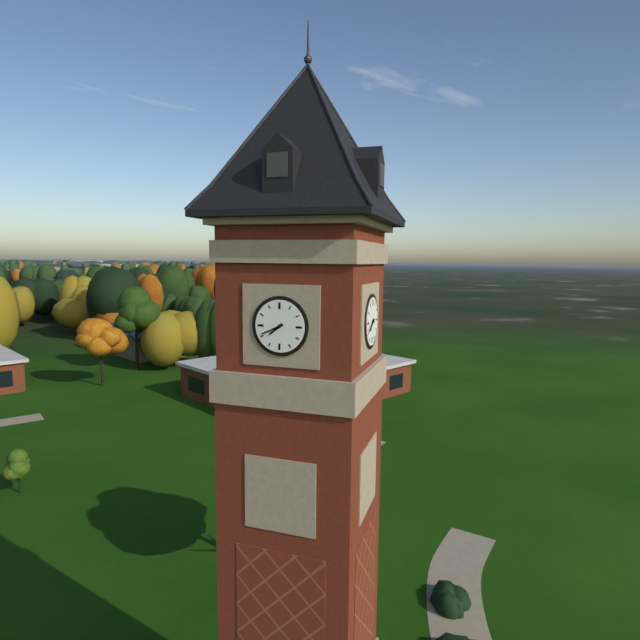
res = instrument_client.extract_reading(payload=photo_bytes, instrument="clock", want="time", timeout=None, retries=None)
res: 7:41
